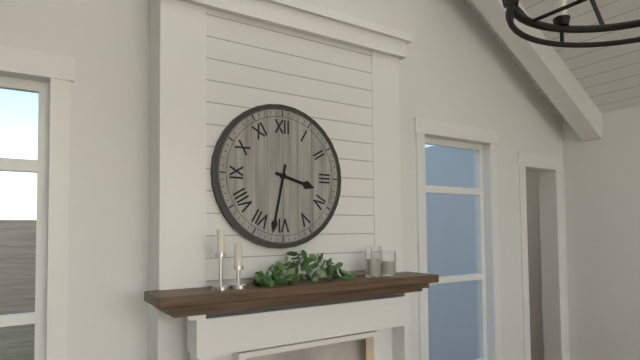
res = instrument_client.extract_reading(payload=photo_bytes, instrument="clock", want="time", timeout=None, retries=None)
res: 3:32
